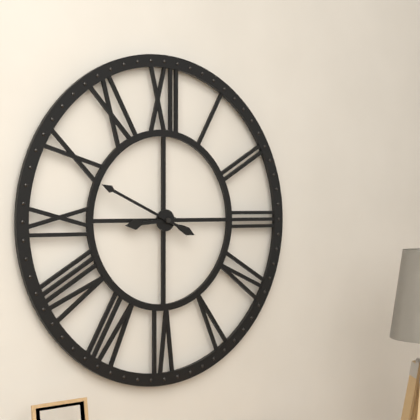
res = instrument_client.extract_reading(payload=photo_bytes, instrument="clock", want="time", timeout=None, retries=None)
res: 8:49
